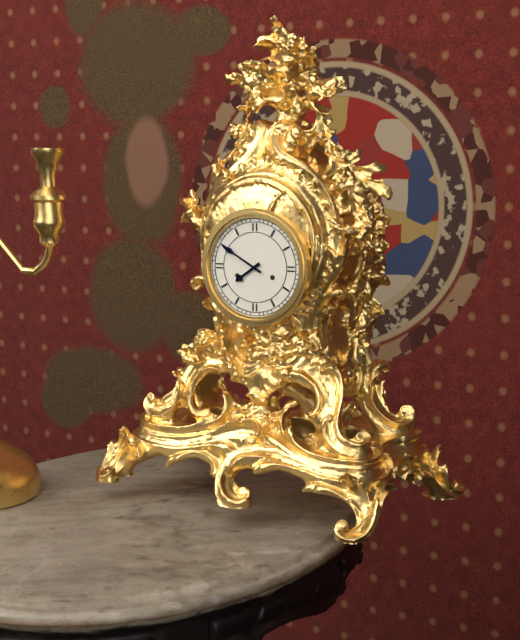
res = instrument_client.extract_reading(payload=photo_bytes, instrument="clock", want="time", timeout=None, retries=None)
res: 7:50
